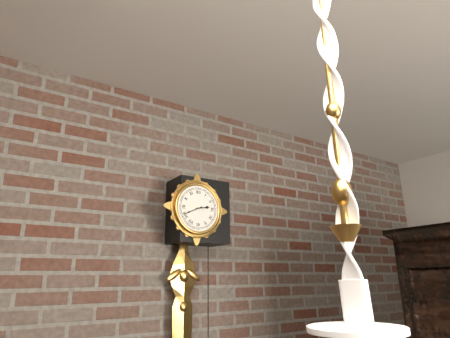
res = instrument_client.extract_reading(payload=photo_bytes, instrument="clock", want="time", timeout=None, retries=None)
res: 2:41
